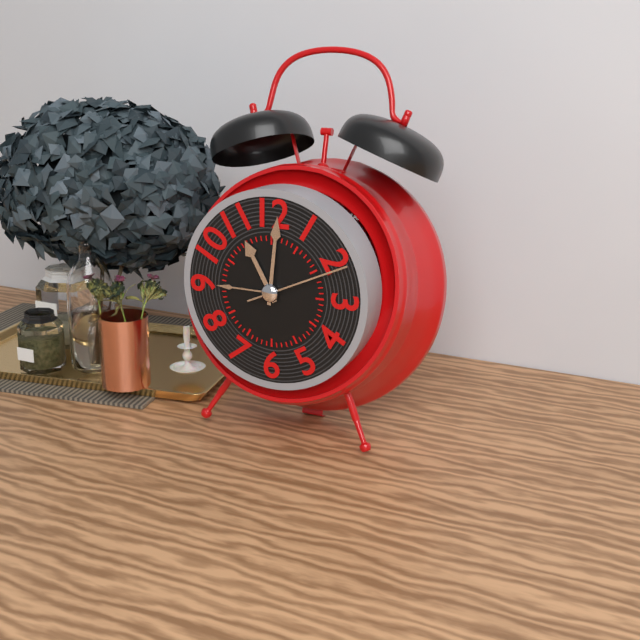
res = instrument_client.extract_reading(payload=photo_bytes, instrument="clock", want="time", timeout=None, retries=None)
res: 11:01:11
